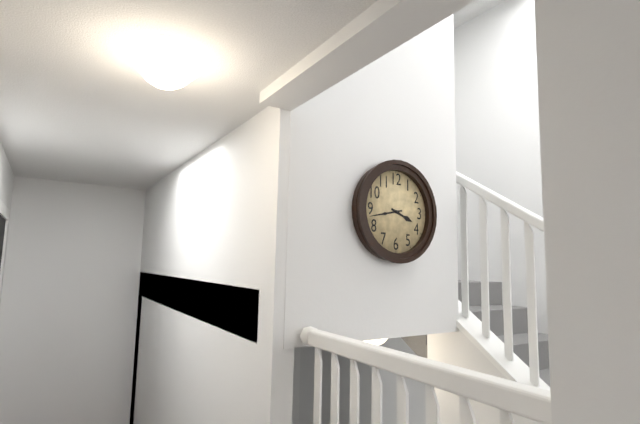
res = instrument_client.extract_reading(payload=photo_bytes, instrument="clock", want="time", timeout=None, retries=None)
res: 3:43
